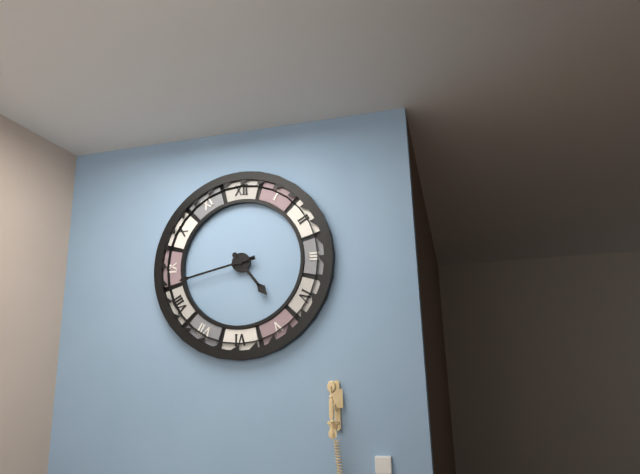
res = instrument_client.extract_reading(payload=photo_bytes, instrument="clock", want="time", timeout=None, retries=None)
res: 4:43
